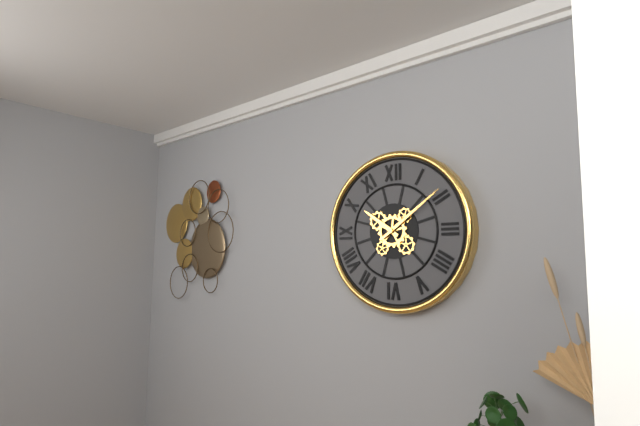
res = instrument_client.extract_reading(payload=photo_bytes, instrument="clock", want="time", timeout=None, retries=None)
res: 10:09
